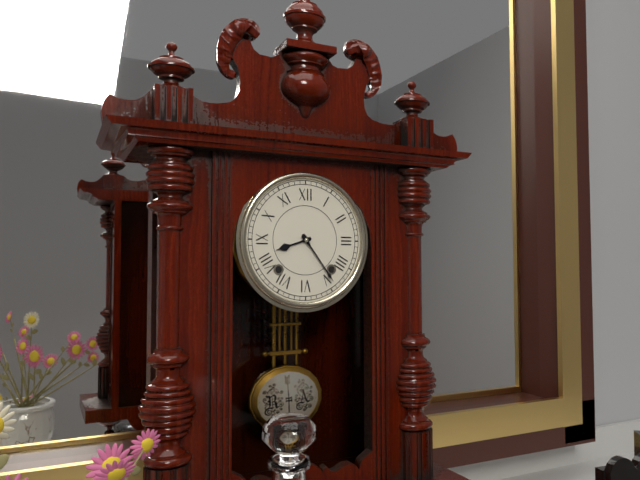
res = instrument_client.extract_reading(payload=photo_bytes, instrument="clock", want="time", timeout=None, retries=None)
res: 8:24
